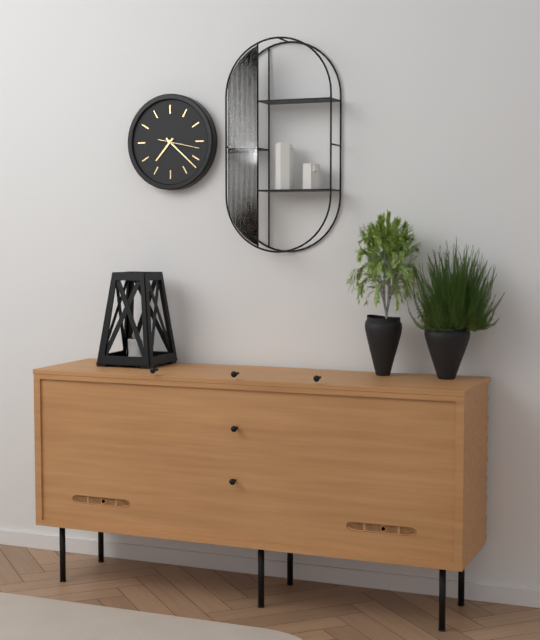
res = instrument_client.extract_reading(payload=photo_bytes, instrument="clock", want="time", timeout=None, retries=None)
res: 7:22
